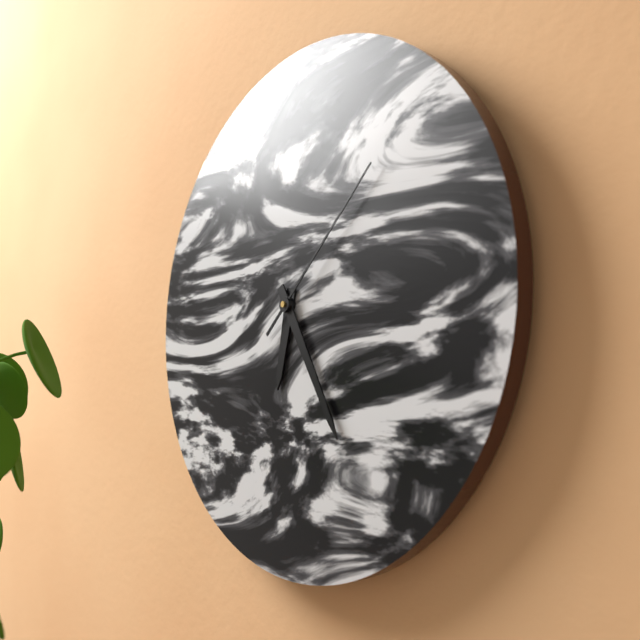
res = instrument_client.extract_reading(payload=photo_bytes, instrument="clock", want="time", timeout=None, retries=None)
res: 6:25:08
